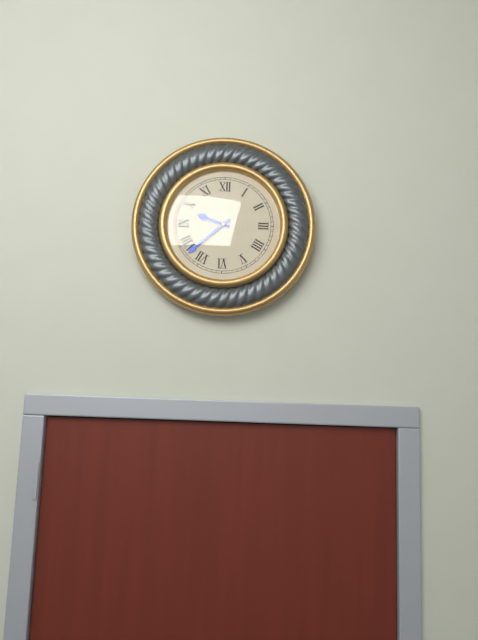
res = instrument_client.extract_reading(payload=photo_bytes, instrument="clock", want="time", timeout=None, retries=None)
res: 9:38
